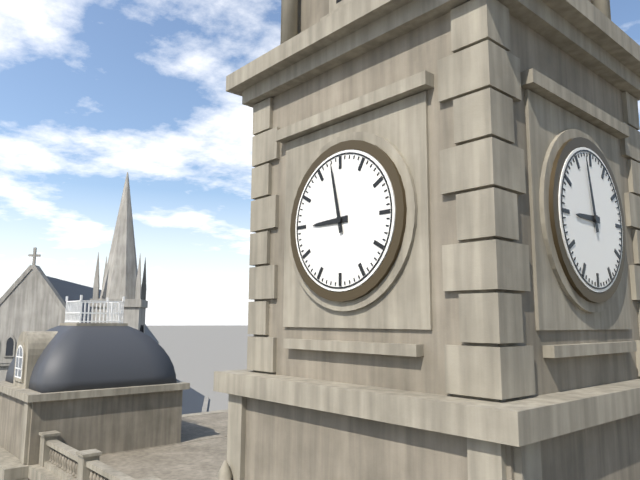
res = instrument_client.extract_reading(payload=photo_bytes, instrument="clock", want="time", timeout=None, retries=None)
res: 8:58
